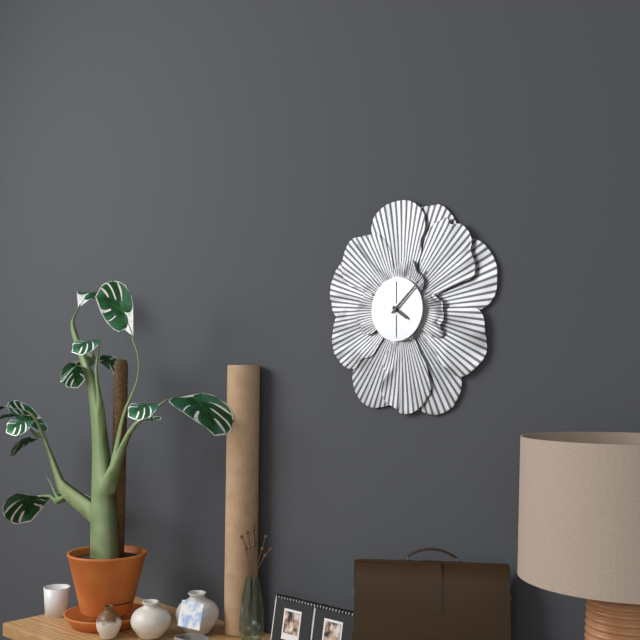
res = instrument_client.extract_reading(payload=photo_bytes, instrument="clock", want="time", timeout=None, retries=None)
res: 4:08
